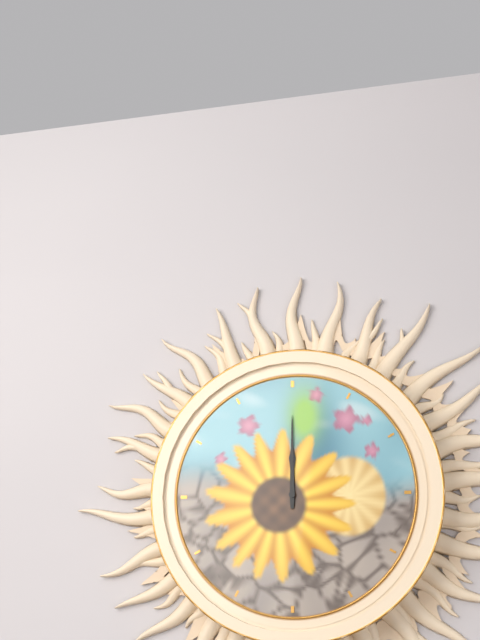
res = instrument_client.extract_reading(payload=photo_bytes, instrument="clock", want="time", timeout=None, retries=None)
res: 12:00
